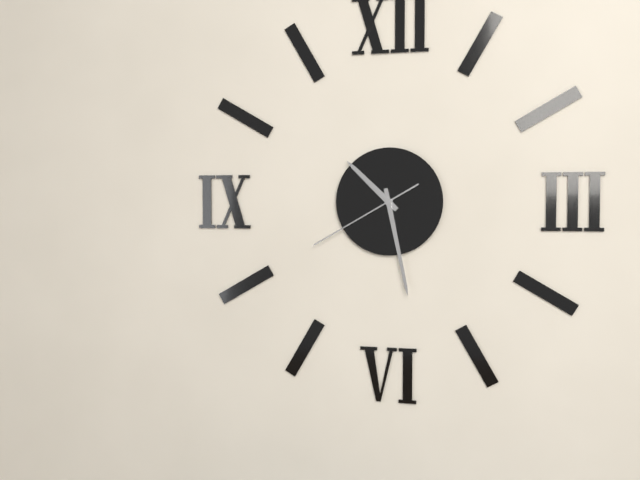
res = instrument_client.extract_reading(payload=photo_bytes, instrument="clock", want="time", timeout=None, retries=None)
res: 10:28:40
